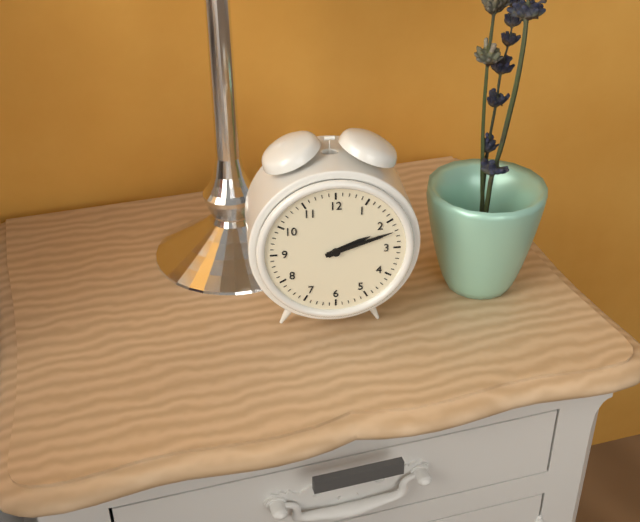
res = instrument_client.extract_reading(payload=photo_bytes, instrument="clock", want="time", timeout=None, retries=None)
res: 2:12
